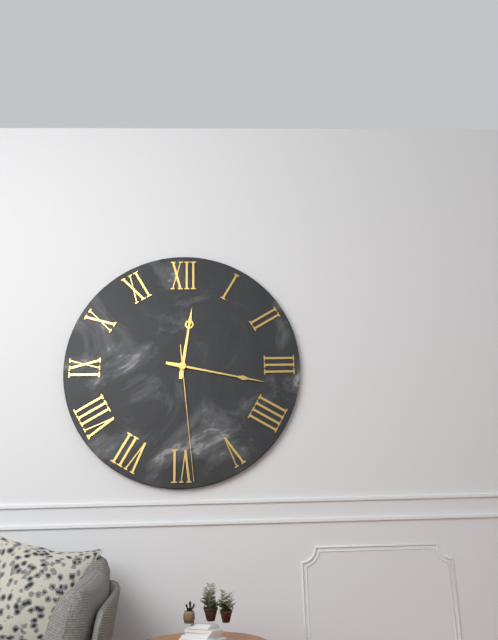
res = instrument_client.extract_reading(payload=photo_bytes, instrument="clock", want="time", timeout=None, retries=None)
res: 12:17:29
